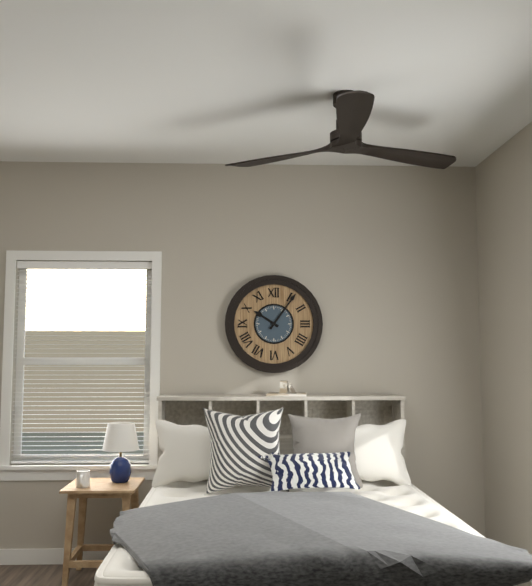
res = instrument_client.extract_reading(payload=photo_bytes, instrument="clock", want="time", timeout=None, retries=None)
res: 10:06
